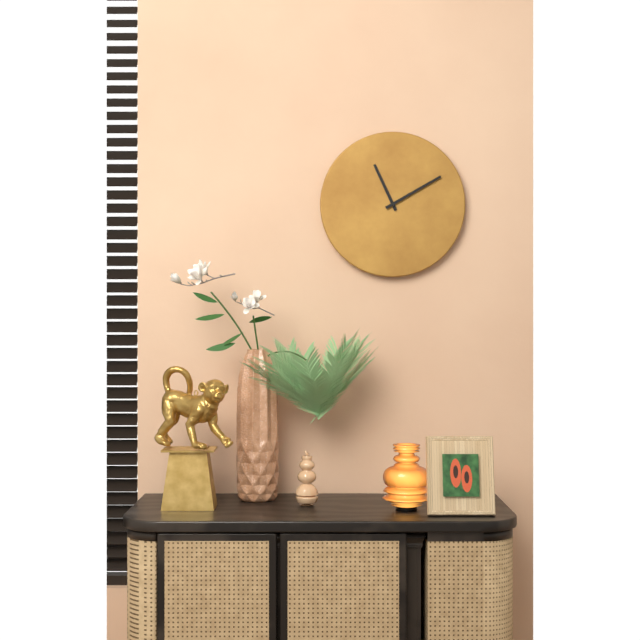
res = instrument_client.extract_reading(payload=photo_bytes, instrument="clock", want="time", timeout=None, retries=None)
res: 11:10
